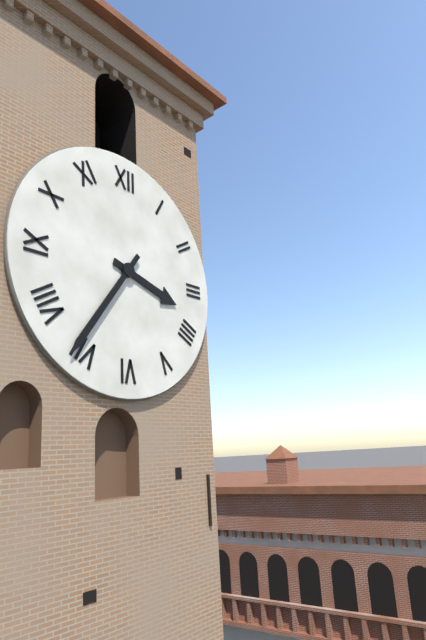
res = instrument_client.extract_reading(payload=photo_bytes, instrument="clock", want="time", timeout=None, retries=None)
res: 3:36
